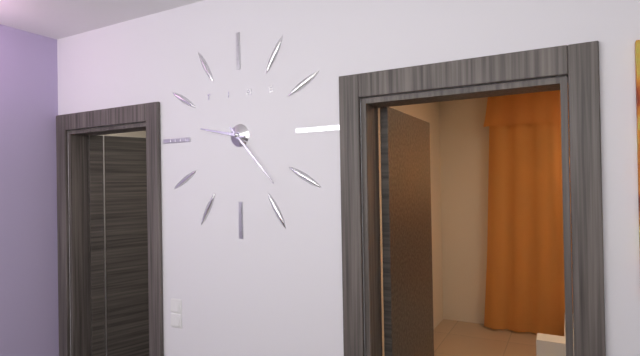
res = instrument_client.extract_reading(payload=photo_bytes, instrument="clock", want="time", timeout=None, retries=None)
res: 9:23
